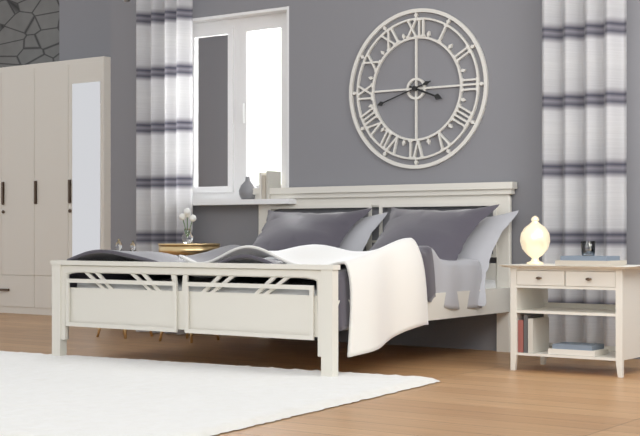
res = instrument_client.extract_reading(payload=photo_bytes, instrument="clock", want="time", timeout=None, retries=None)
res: 3:42
